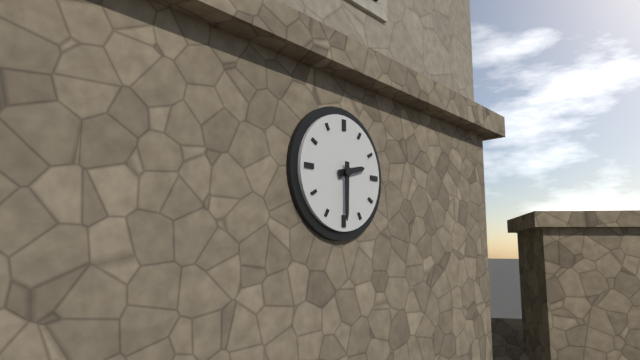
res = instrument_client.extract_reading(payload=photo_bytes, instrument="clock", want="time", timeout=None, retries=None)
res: 2:30
